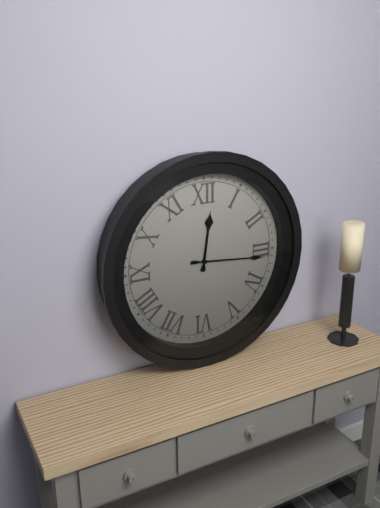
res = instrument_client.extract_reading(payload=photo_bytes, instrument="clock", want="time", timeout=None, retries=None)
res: 12:16
